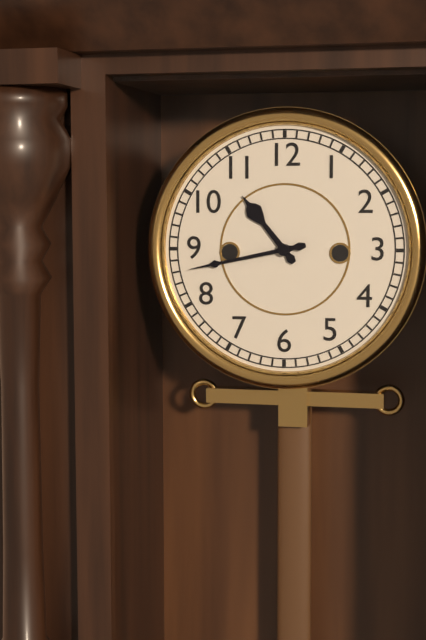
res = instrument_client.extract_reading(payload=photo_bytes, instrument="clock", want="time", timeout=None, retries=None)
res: 10:43
